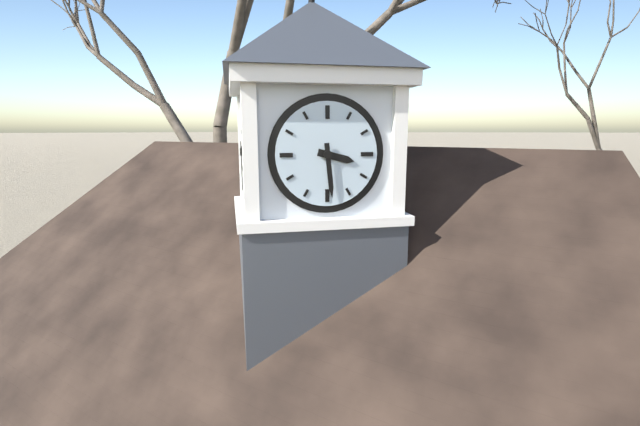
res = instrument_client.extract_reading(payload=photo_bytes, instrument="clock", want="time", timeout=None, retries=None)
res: 3:29
